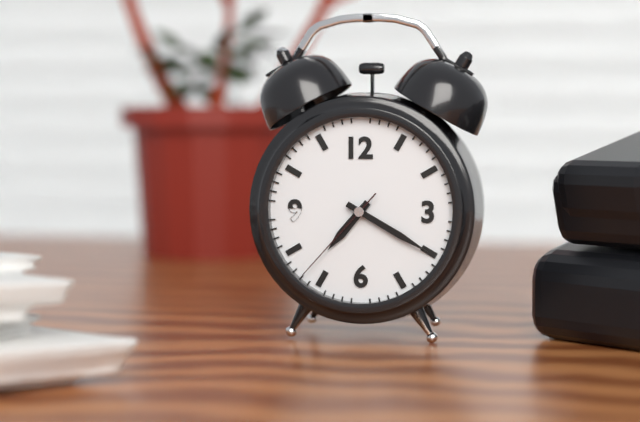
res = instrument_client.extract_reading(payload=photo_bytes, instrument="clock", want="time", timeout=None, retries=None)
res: 7:20:37
